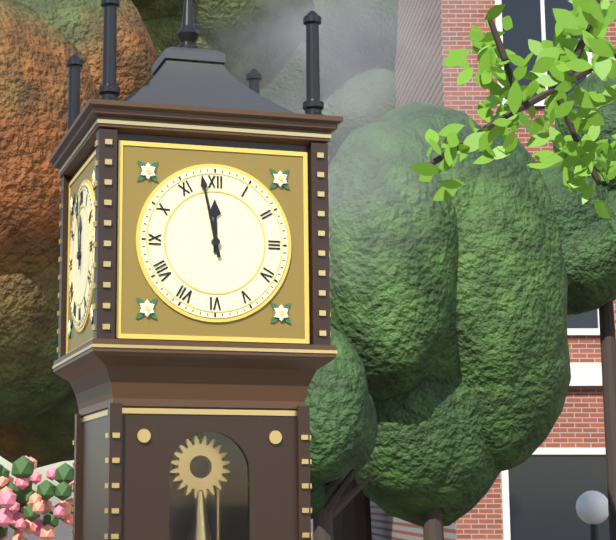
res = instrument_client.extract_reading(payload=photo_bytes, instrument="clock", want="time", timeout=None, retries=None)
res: 11:58
